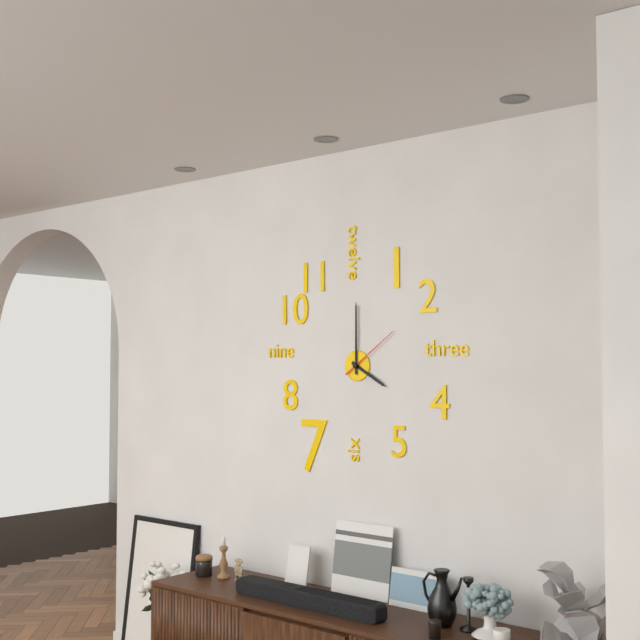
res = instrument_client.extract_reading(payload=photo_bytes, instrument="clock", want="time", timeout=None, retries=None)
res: 4:00:09
